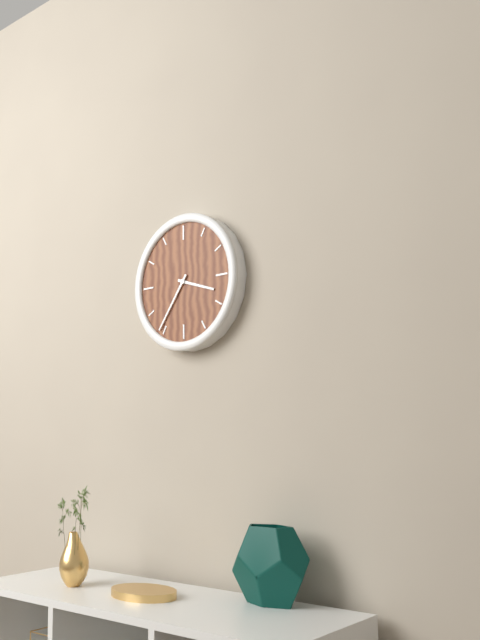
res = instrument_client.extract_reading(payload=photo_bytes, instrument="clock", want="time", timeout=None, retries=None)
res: 3:36
